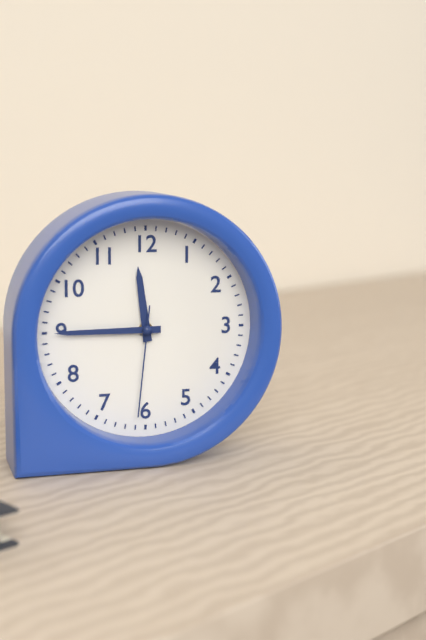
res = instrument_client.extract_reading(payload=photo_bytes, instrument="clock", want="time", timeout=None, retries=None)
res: 11:45:31
